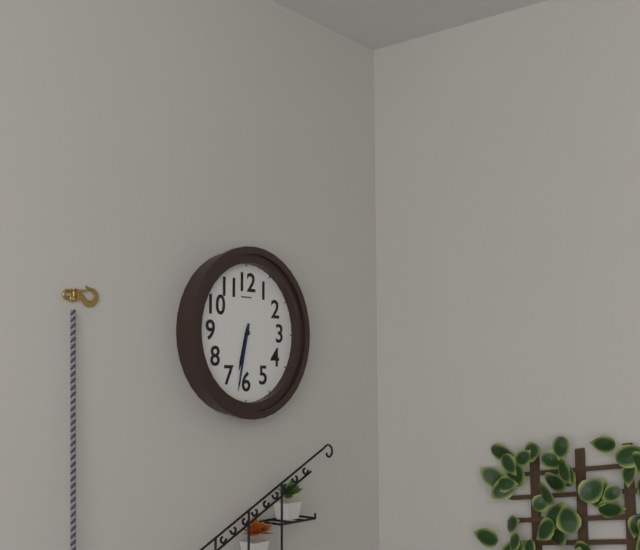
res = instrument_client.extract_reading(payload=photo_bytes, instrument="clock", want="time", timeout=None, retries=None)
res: 6:32
